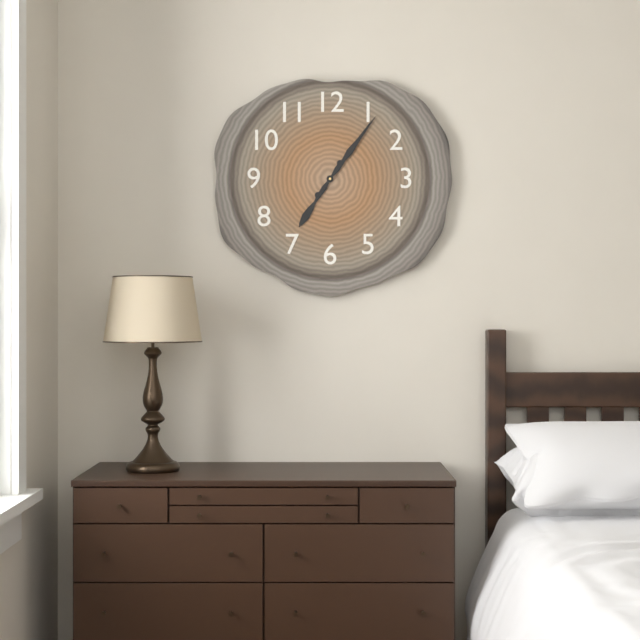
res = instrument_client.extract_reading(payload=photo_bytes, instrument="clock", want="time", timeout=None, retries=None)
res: 7:06
